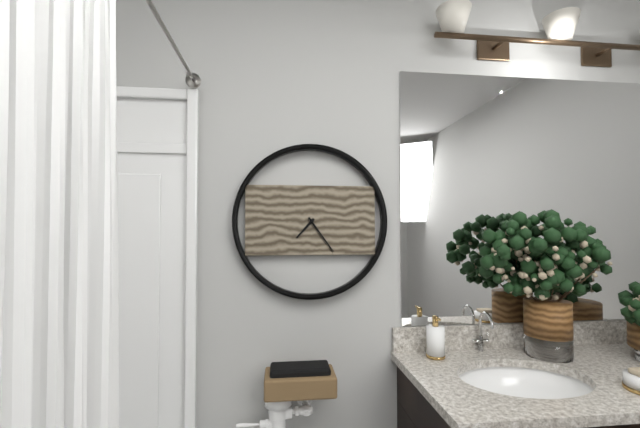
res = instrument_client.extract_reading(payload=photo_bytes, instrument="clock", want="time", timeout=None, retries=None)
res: 7:24
